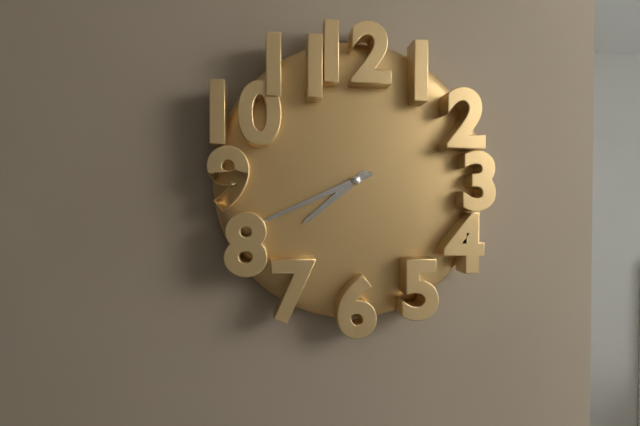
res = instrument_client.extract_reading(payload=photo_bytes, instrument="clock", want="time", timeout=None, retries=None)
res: 7:41
